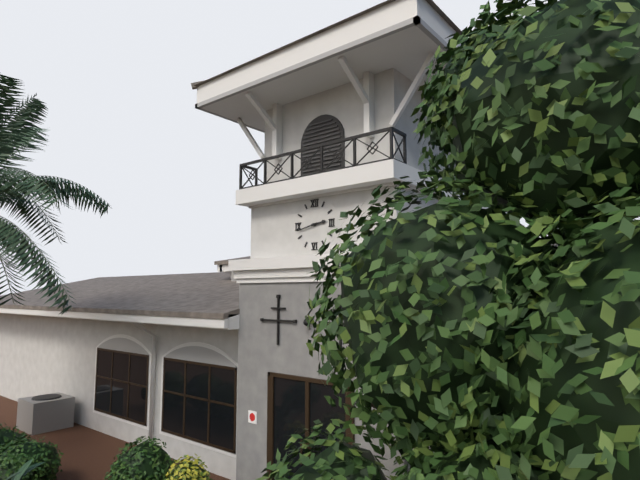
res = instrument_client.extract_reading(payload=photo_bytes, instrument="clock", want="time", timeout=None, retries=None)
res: 2:43
